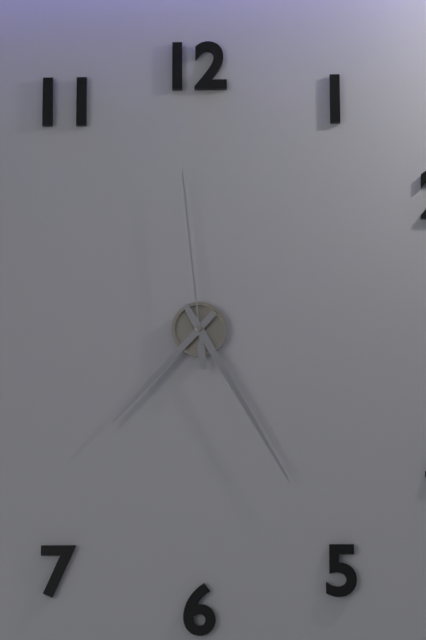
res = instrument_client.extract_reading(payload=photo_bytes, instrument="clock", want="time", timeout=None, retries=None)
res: 7:25:59
